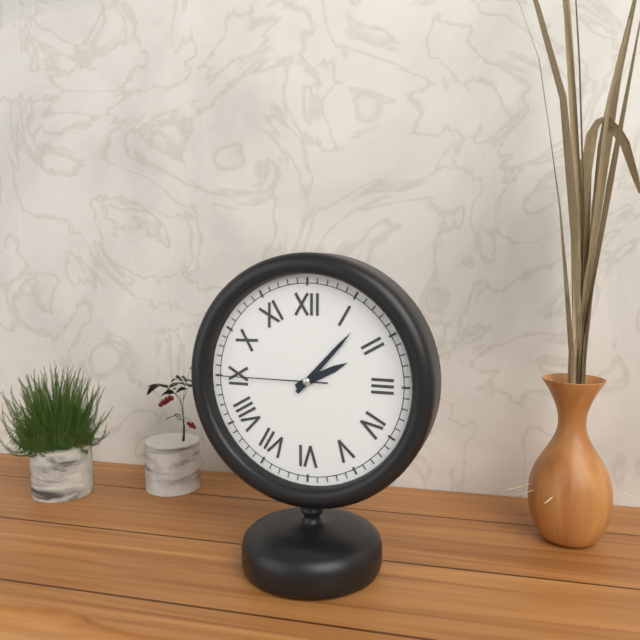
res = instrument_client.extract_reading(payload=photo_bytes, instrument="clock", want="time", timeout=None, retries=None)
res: 2:07:45
